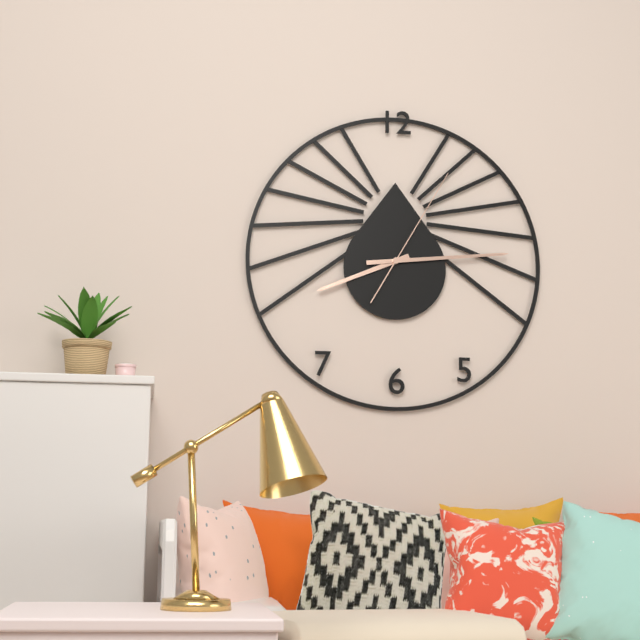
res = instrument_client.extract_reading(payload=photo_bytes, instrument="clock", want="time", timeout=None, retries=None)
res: 8:14:05
